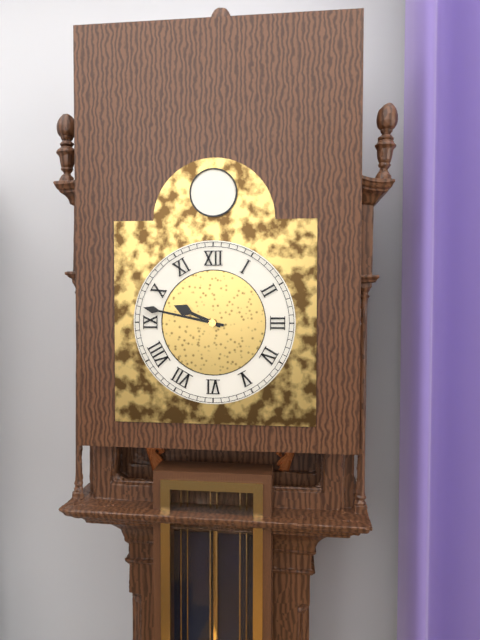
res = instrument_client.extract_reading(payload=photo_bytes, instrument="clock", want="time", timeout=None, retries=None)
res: 9:47
